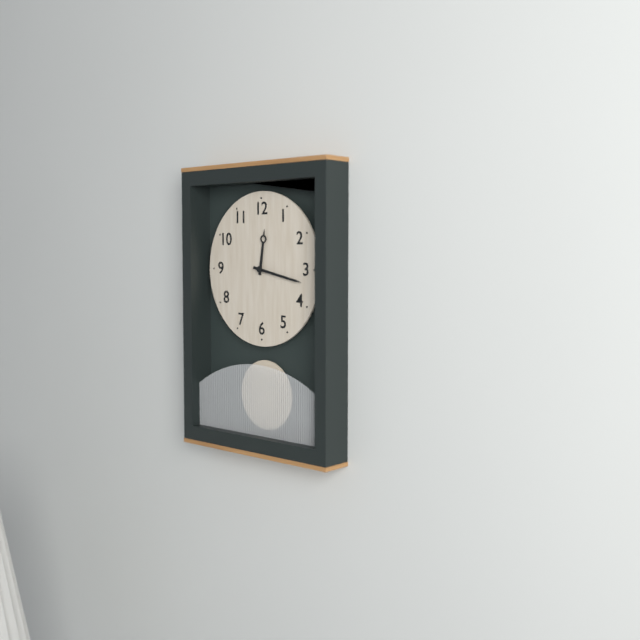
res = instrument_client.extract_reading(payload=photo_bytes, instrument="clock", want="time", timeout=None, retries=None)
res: 12:17
